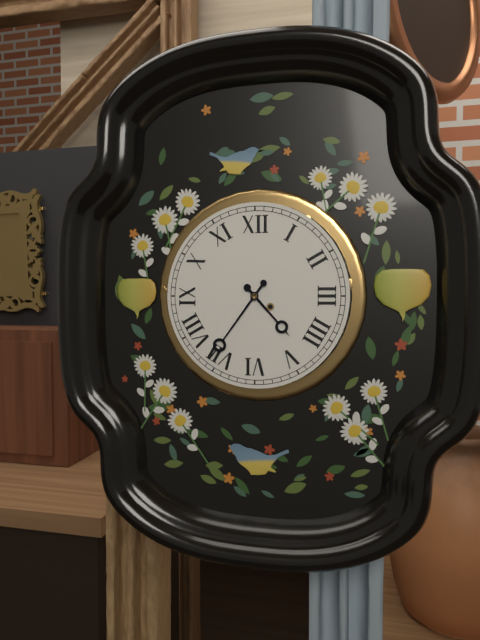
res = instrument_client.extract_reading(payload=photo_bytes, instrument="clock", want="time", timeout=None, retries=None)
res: 4:36
